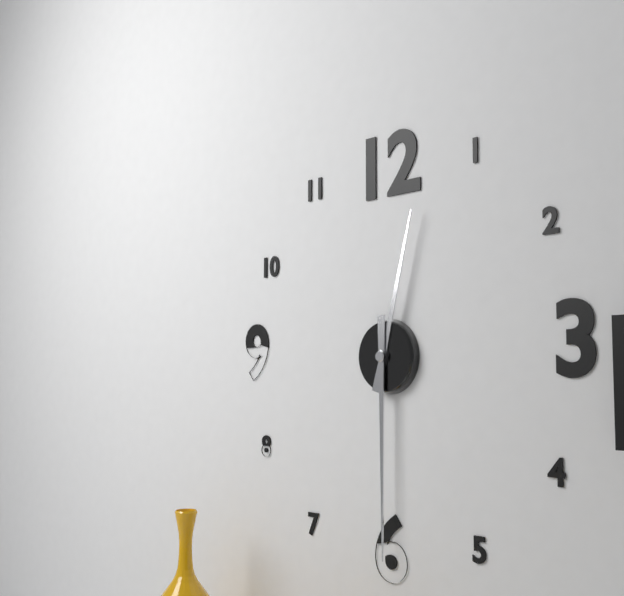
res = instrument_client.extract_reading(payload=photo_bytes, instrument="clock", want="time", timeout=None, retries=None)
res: 12:30
